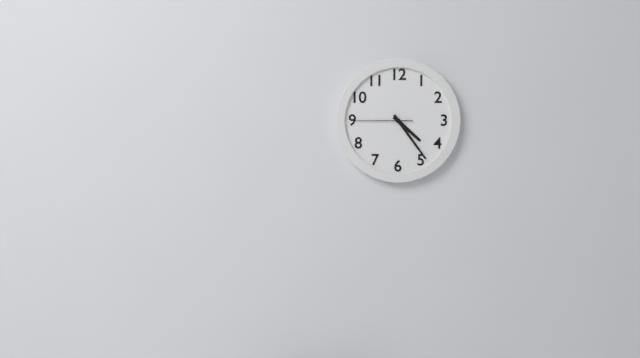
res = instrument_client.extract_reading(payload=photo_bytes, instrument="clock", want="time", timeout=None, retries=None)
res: 4:24:45
